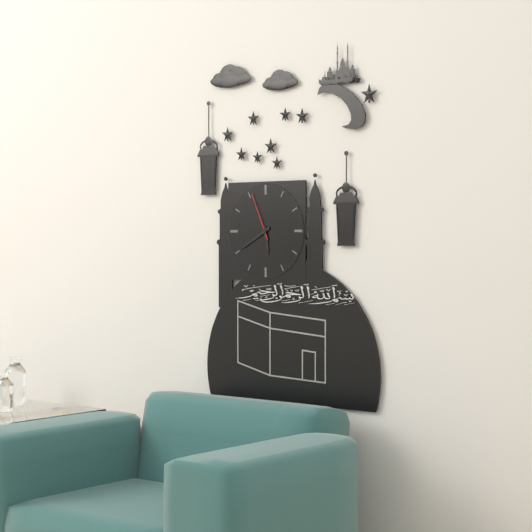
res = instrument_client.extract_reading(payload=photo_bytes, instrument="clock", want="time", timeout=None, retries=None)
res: 5:40:56
